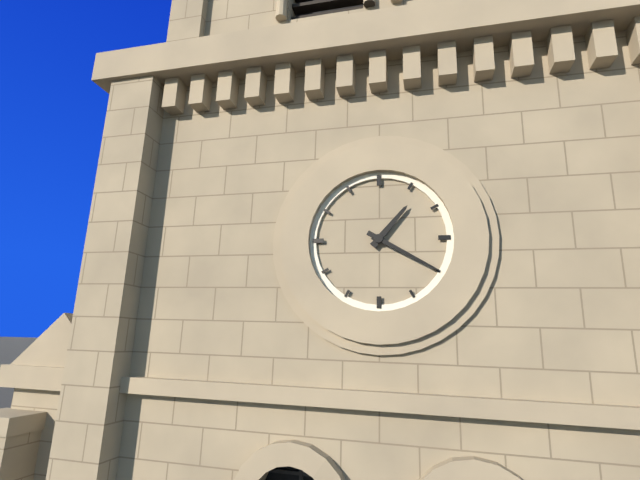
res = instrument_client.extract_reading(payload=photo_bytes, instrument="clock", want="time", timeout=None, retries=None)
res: 1:20
